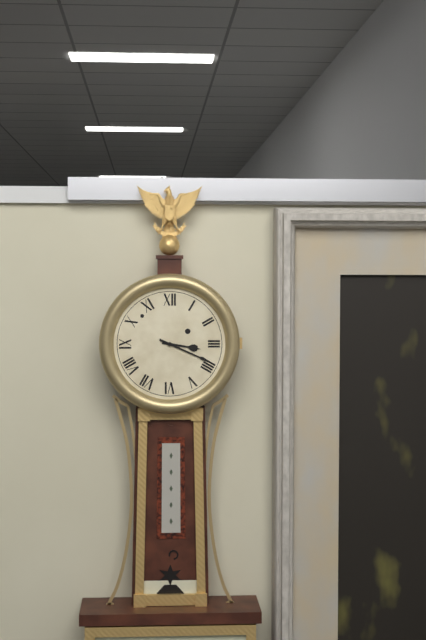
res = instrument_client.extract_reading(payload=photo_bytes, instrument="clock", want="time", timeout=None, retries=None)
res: 3:19
